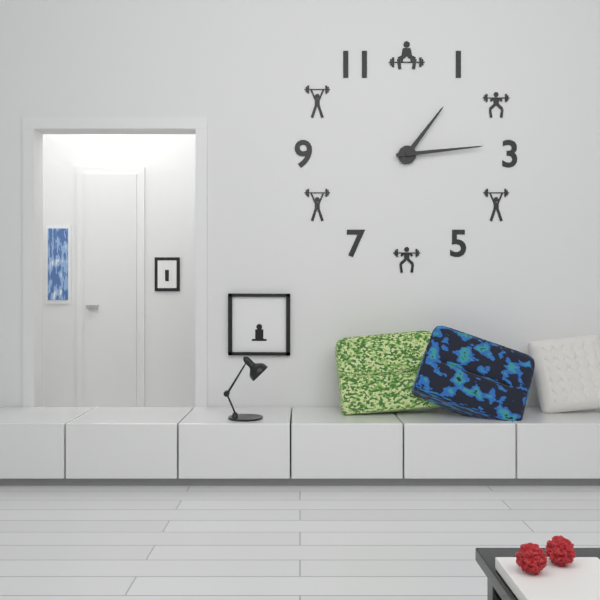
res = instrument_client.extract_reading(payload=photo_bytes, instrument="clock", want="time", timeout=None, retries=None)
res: 1:14
